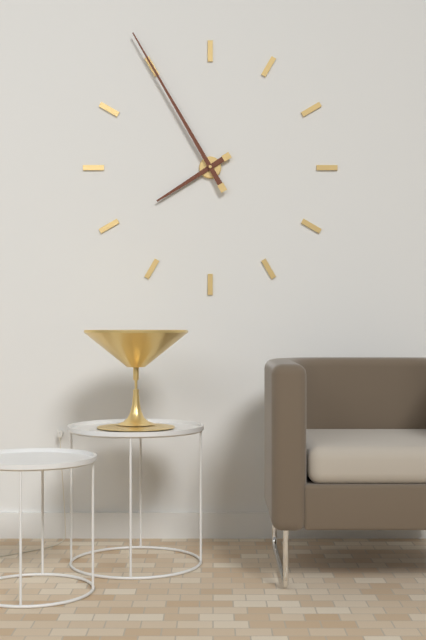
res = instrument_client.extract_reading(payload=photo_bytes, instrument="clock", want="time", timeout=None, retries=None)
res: 7:55
